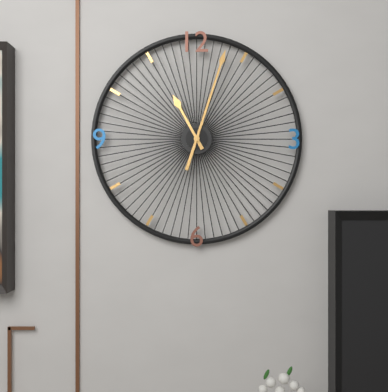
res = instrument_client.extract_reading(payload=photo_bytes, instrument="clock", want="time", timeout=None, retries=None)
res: 11:03
